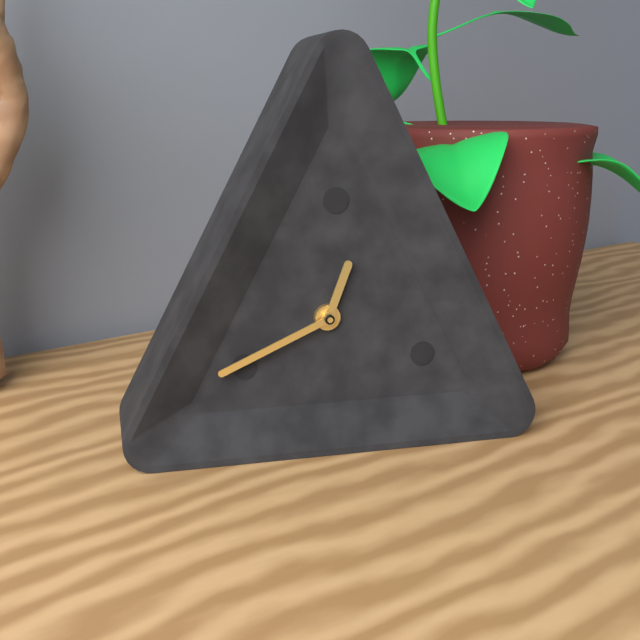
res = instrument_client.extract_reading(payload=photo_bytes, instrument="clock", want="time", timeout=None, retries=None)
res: 12:41
